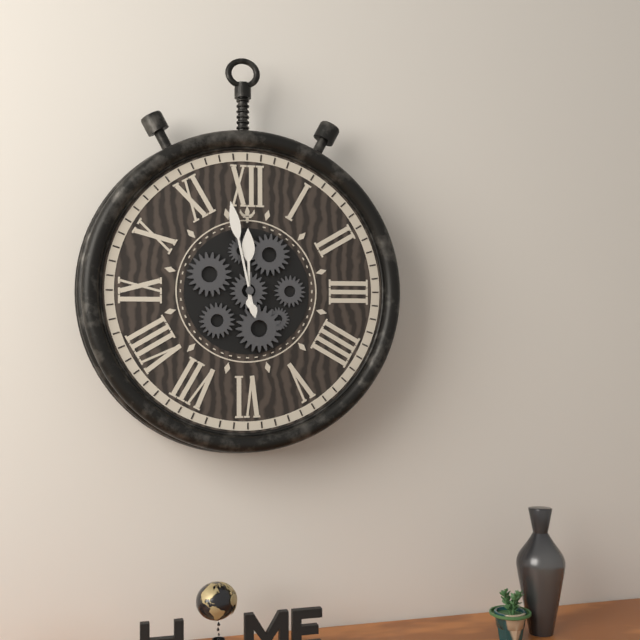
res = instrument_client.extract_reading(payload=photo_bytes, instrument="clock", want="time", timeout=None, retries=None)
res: 11:58
